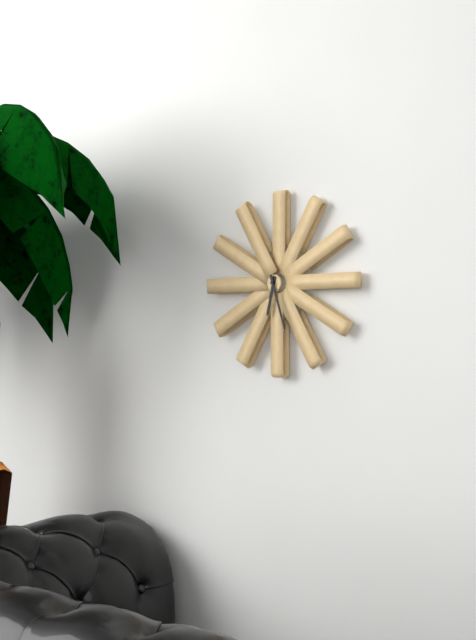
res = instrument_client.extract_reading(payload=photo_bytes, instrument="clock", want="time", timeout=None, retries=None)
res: 6:27
